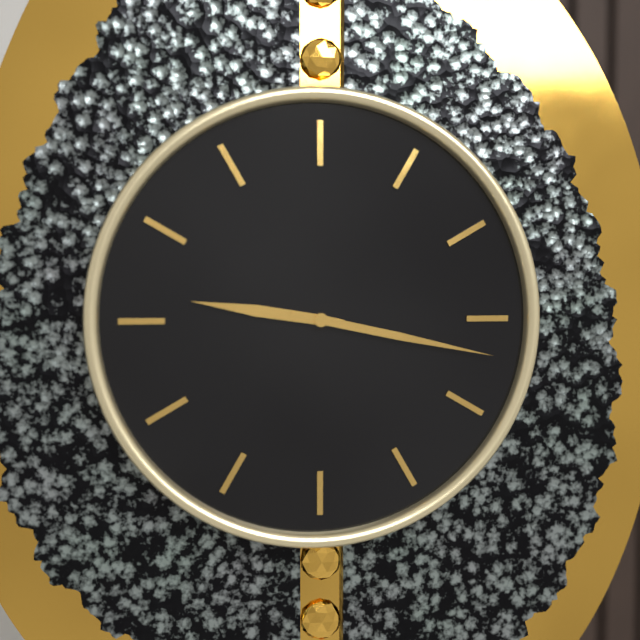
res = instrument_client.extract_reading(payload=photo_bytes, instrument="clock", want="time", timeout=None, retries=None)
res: 9:17
